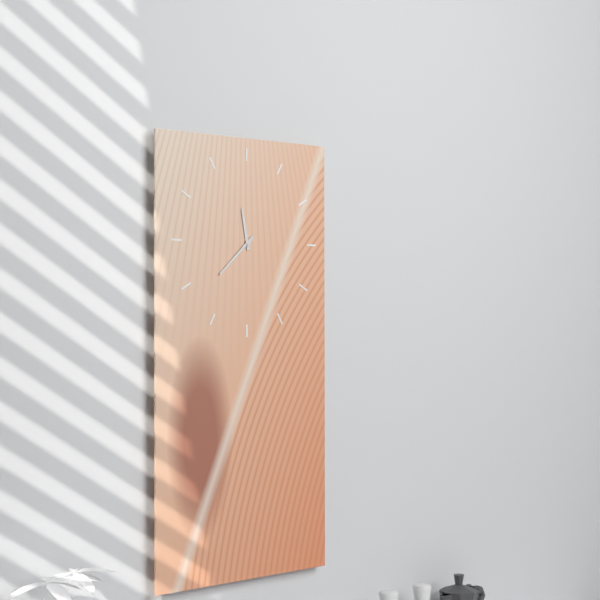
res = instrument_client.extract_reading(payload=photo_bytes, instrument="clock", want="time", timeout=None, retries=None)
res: 11:38
